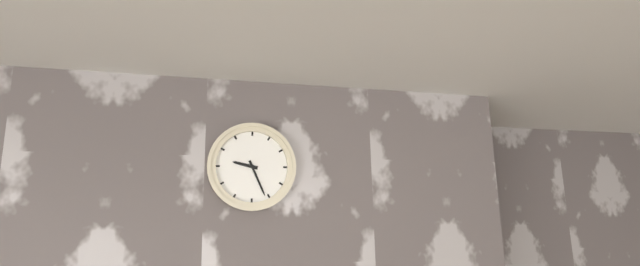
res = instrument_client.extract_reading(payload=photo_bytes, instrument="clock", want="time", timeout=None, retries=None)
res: 9:26
